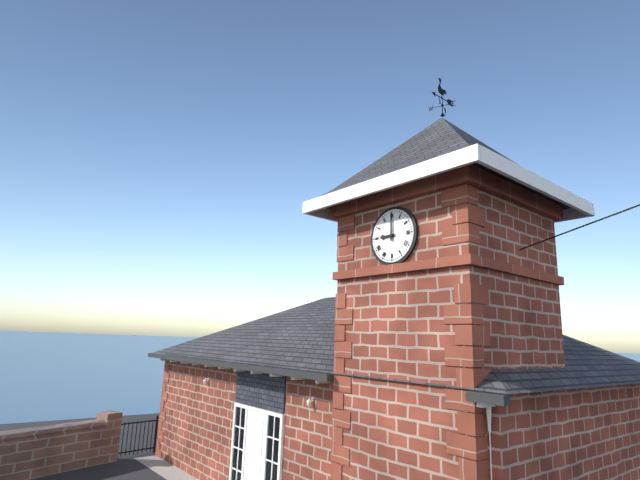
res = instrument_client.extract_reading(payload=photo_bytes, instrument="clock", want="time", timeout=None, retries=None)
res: 9:00
